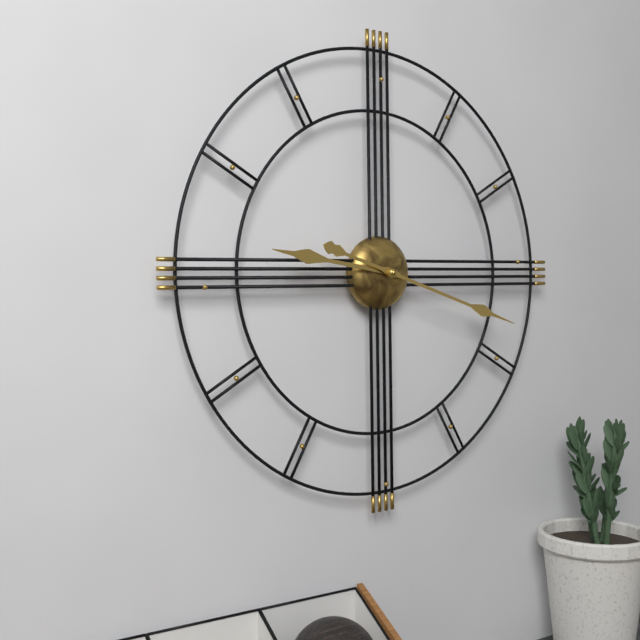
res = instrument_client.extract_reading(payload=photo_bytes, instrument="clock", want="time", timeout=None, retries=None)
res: 9:18
